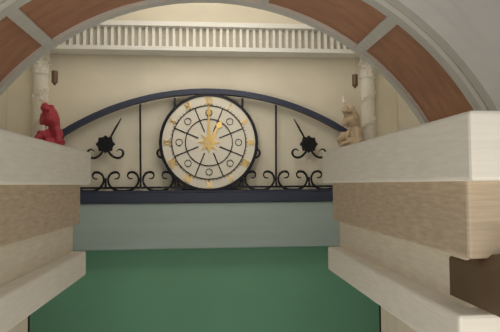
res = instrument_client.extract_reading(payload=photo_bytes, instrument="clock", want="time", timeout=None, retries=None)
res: 1:00
